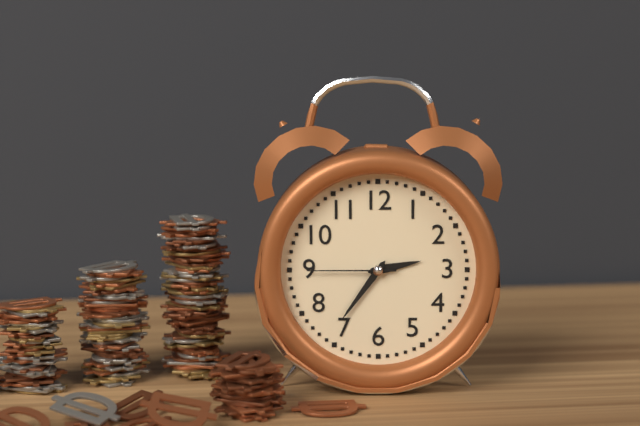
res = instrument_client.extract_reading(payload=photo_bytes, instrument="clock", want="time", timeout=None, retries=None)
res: 2:36:45
